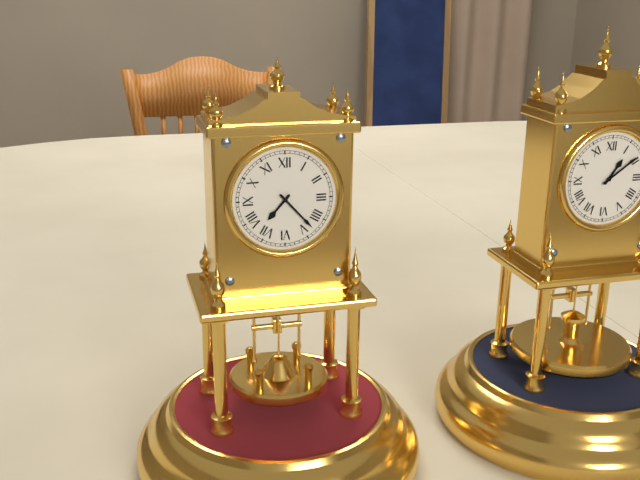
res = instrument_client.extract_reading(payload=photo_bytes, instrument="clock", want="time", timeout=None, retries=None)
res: 7:23
